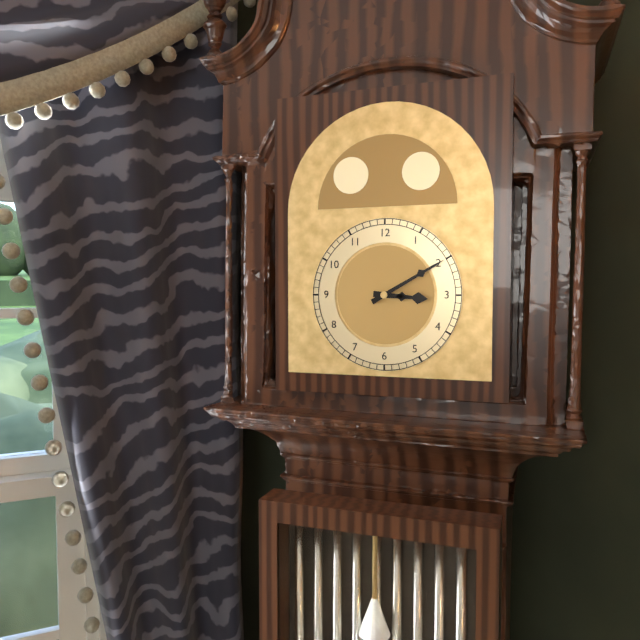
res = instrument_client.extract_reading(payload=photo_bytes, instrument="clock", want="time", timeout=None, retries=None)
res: 3:10
